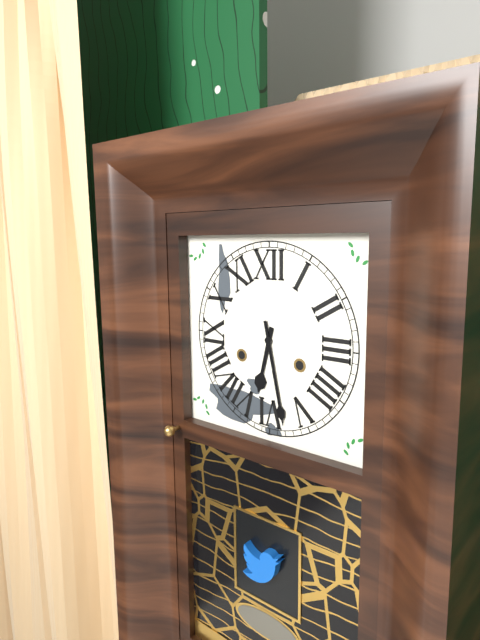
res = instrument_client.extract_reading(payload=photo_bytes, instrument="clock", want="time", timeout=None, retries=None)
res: 6:28
